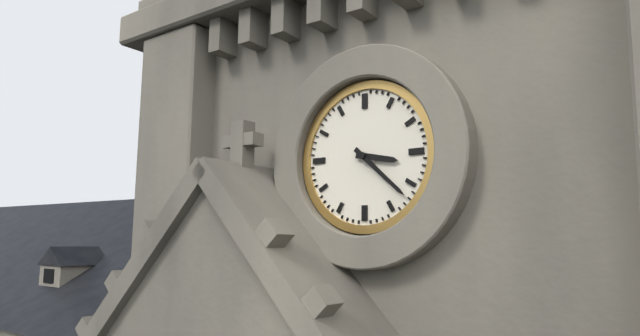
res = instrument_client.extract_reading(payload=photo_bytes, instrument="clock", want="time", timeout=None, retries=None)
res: 3:22
